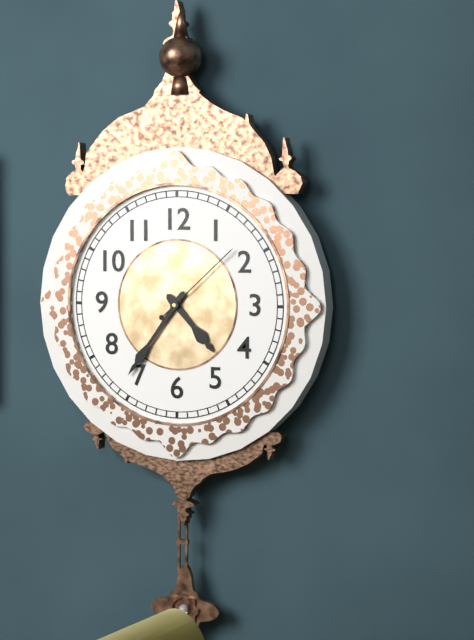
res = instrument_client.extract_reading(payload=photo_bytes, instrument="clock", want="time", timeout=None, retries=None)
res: 4:36:08
